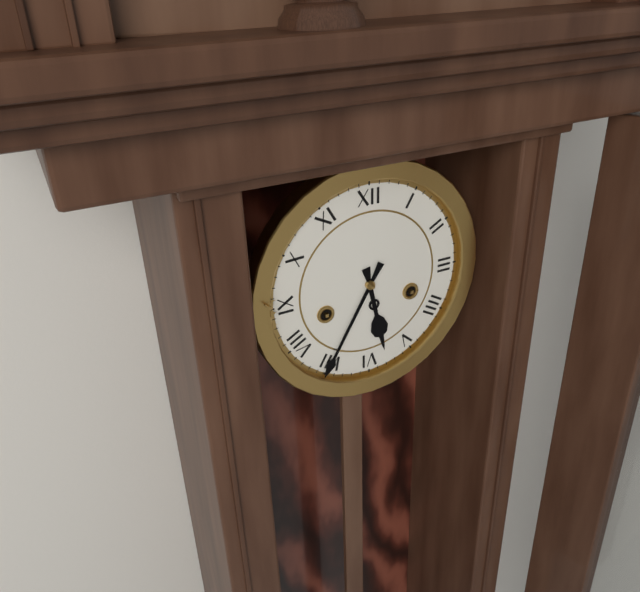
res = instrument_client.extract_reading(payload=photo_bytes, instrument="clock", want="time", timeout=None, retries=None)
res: 5:35
